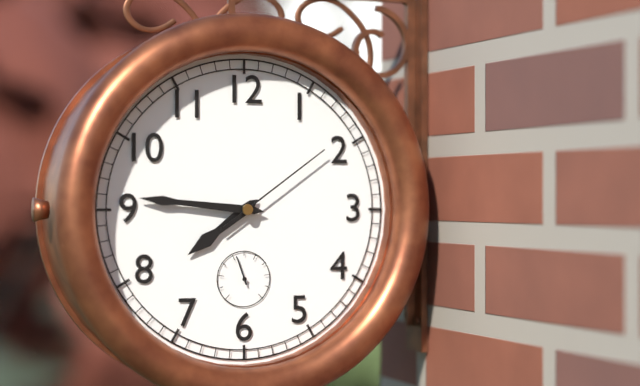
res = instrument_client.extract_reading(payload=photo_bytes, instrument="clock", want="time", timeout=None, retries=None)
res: 7:46:09
